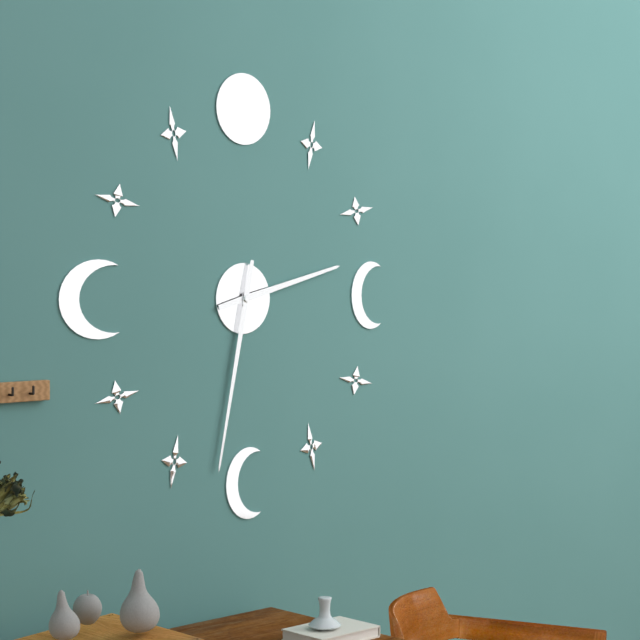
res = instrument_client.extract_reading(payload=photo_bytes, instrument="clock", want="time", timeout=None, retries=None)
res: 2:32
